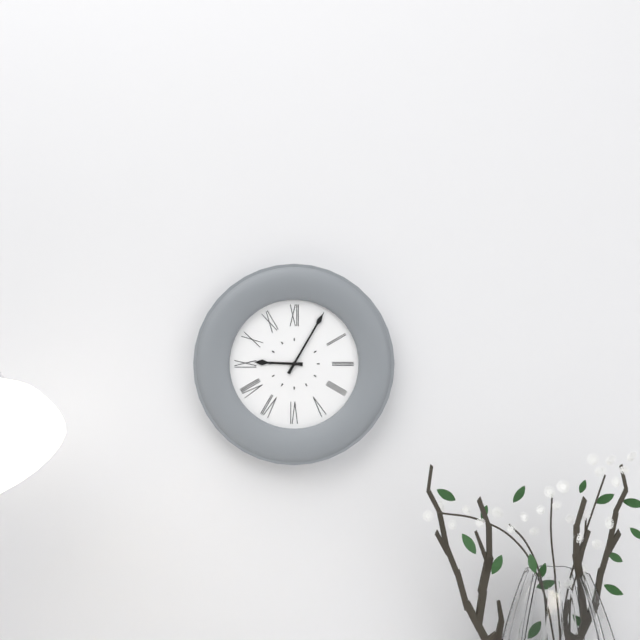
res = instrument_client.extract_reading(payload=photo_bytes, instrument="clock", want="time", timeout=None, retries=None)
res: 9:05
